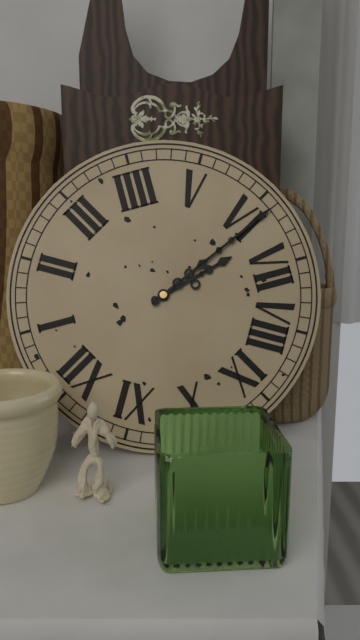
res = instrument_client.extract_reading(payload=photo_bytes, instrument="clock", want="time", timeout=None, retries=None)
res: 6:31
